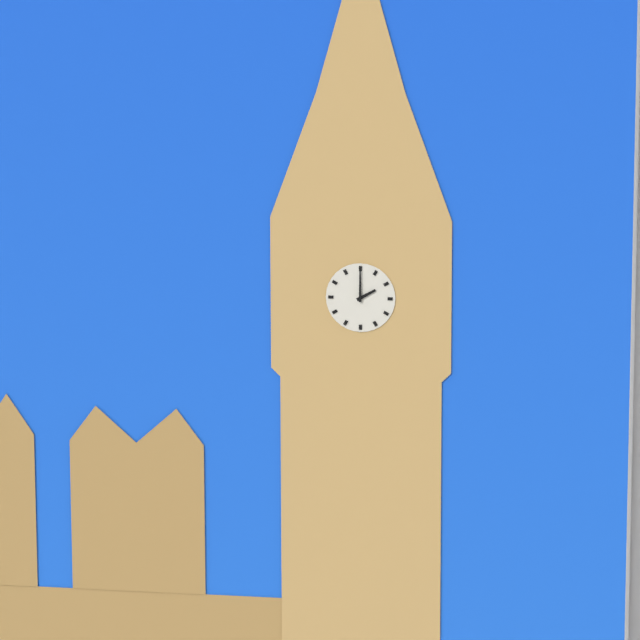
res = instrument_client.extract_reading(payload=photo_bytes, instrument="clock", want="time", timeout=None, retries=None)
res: 2:00
